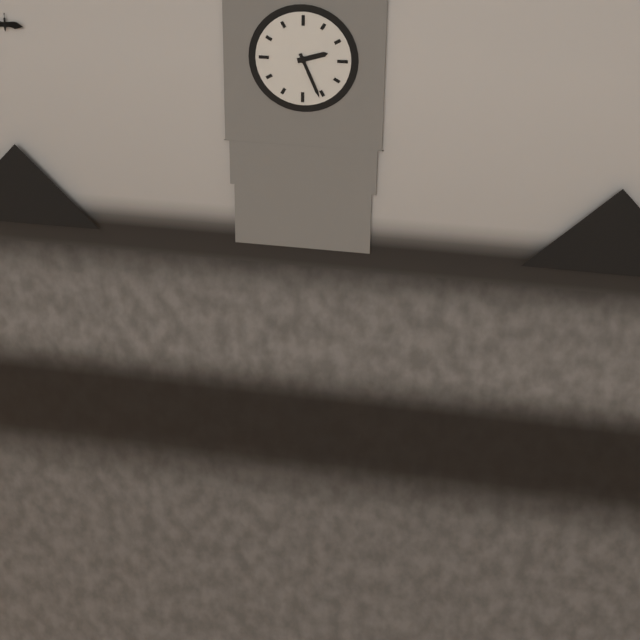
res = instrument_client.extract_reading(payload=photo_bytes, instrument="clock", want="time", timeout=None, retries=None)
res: 2:26
